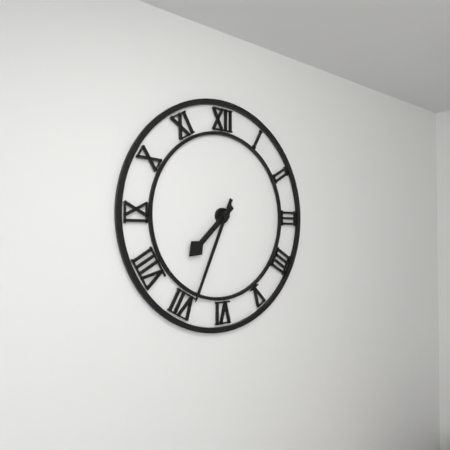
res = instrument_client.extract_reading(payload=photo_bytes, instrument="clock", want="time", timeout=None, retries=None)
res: 7:34
